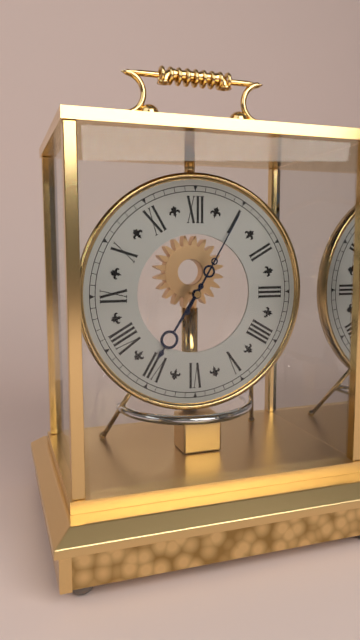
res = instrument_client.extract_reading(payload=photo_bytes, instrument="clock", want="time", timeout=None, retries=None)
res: 7:05
